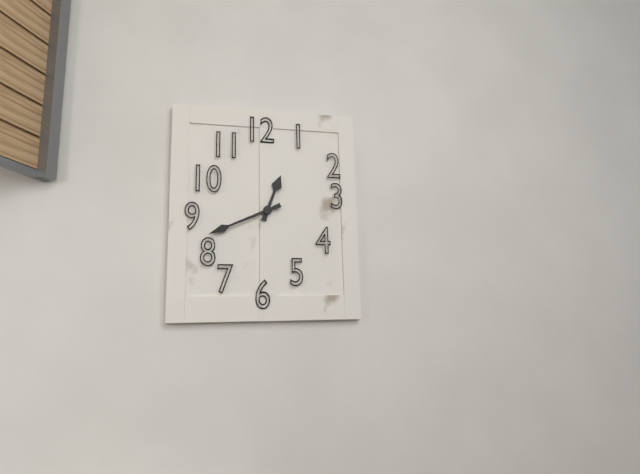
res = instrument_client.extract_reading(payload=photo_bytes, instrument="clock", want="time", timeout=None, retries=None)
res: 12:41
